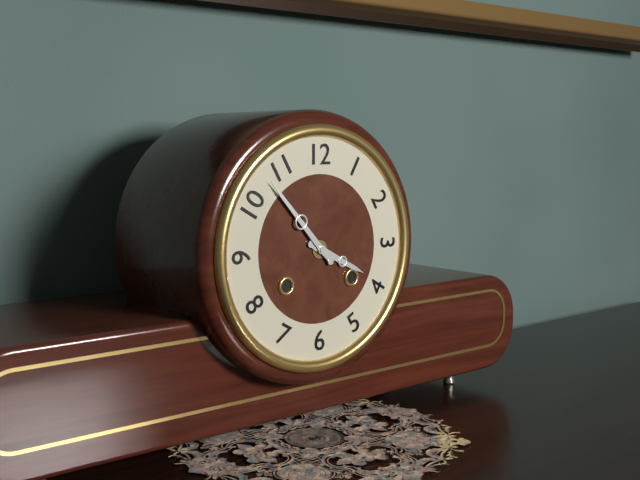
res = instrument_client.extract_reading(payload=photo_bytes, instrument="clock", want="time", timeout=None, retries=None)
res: 3:53
